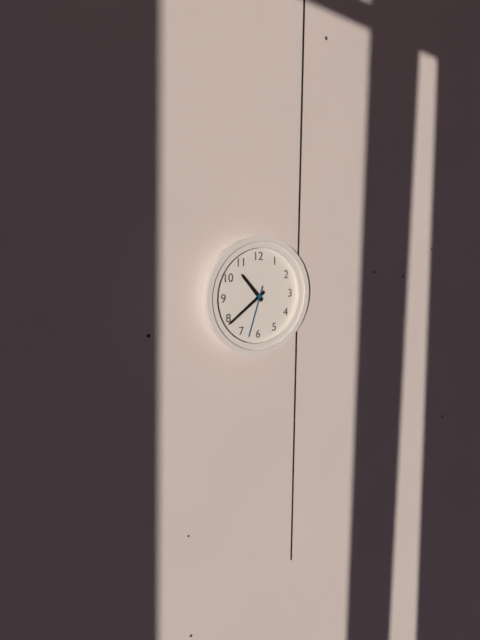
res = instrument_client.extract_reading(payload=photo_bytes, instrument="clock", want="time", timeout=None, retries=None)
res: 10:39:33
